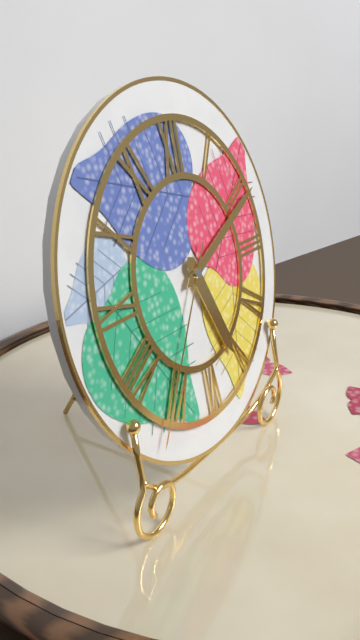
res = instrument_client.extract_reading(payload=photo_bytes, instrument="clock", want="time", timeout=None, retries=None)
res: 5:11:36
